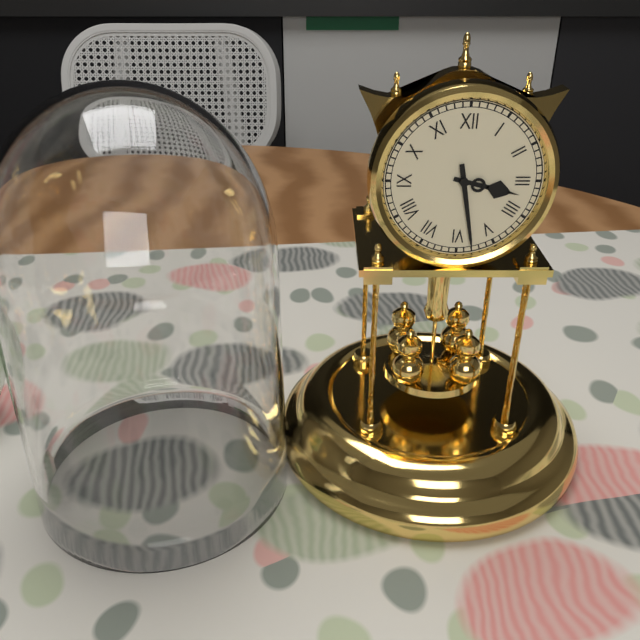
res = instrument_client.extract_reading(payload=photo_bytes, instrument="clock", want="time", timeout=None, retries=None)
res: 3:28
